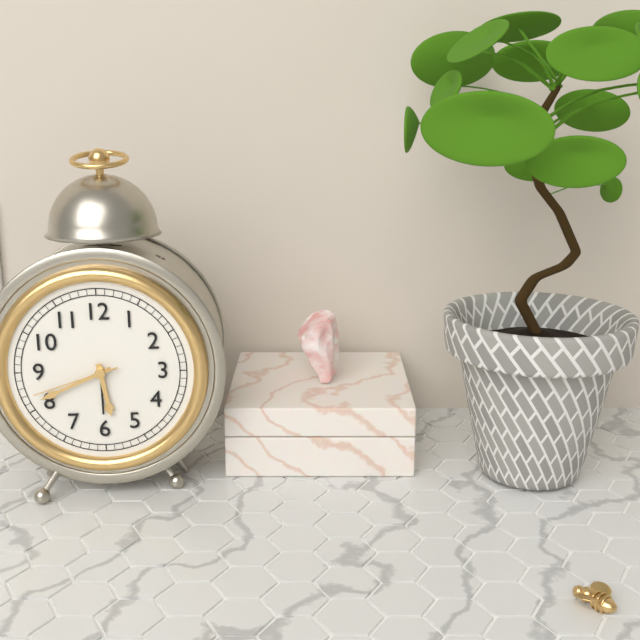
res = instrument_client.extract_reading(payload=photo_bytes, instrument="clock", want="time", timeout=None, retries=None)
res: 5:41:42
